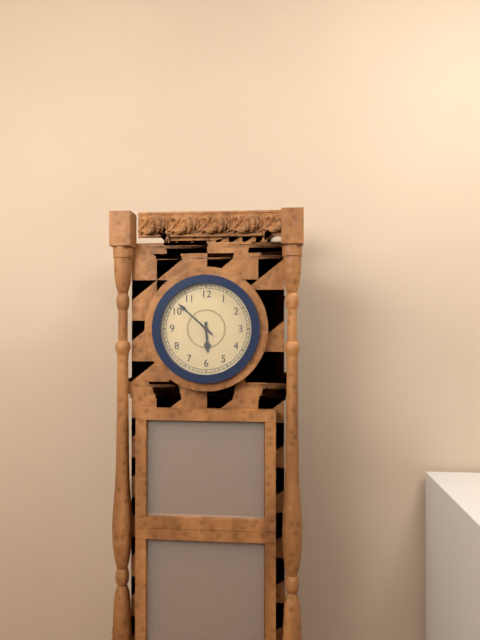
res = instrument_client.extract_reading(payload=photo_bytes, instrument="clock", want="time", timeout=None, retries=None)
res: 5:52
